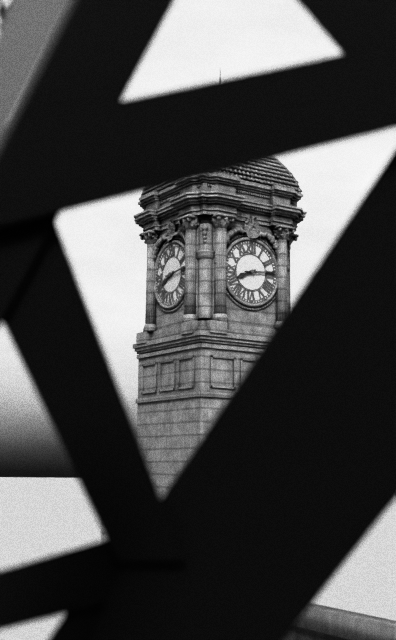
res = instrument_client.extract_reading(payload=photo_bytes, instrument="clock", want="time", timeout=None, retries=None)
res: 8:14
